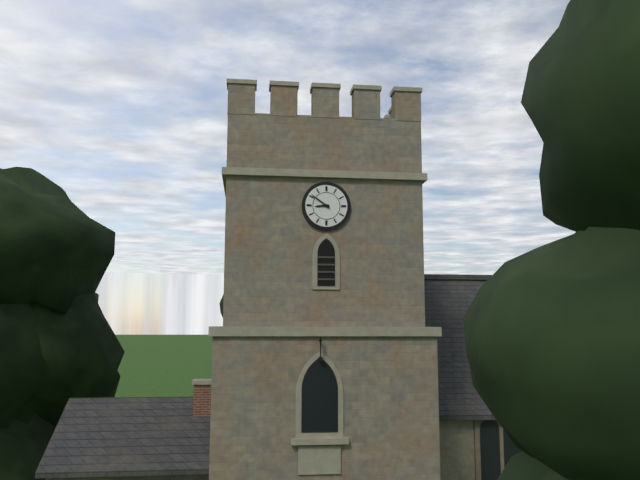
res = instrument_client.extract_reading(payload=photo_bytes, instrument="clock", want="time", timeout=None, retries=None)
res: 8:51
